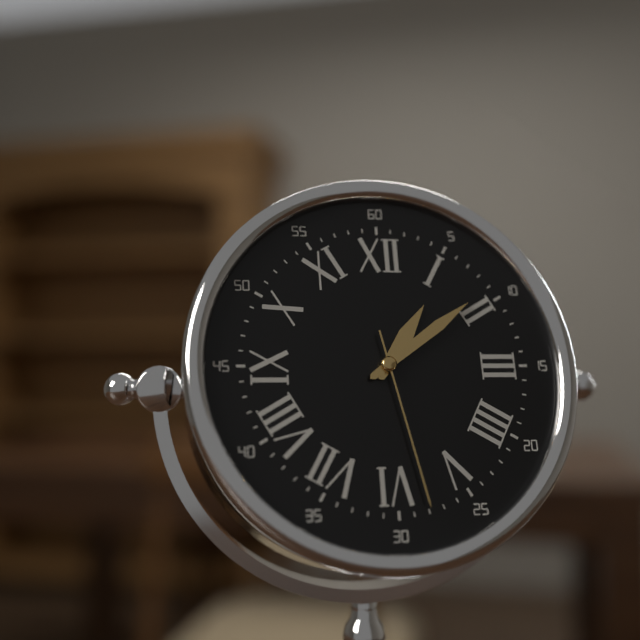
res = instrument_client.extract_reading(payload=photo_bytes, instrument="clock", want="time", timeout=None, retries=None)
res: 1:09:28
